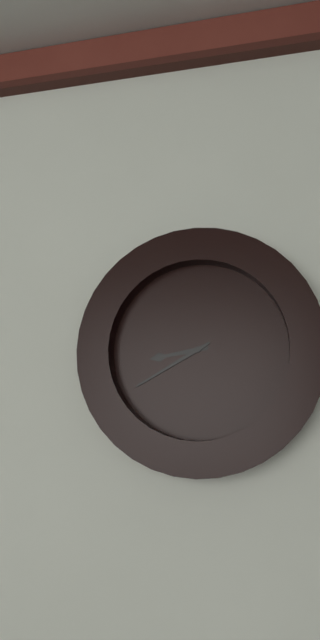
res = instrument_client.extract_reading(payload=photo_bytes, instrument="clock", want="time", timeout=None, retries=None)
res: 8:40
